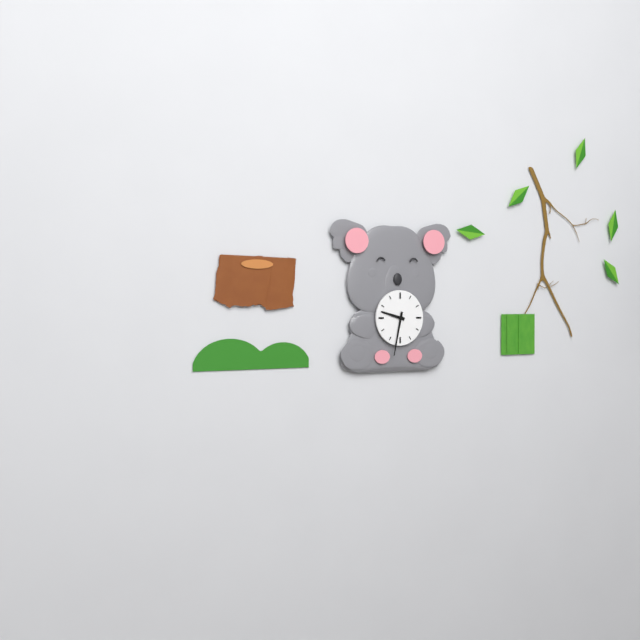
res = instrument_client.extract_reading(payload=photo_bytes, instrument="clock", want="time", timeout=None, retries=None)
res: 9:32
